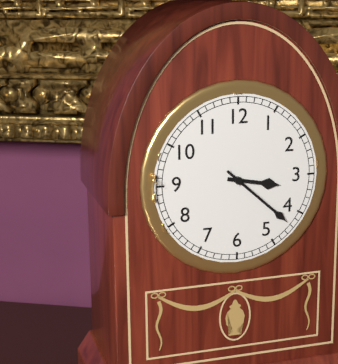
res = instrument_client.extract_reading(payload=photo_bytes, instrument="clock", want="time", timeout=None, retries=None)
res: 3:22
